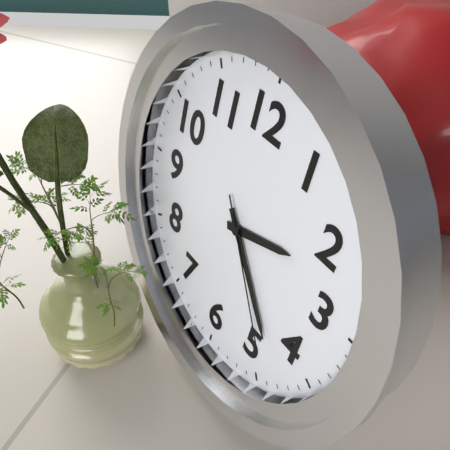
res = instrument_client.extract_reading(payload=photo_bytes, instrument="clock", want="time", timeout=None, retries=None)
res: 2:23:24
